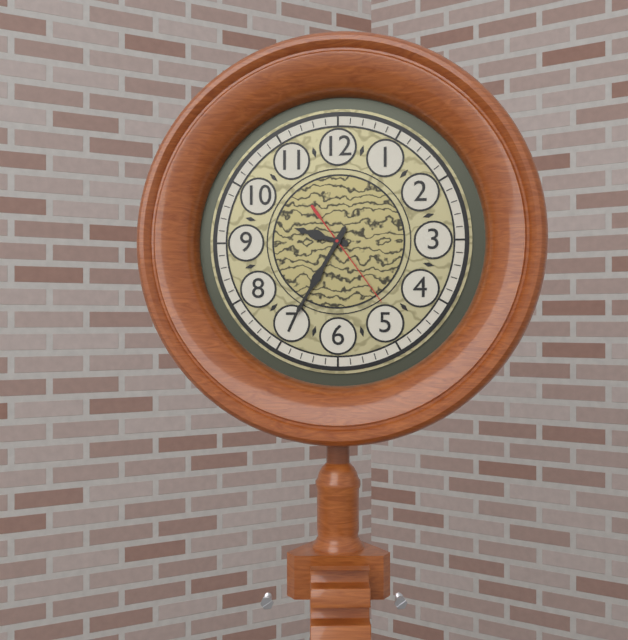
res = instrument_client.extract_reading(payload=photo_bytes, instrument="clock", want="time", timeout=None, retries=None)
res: 9:35:24
